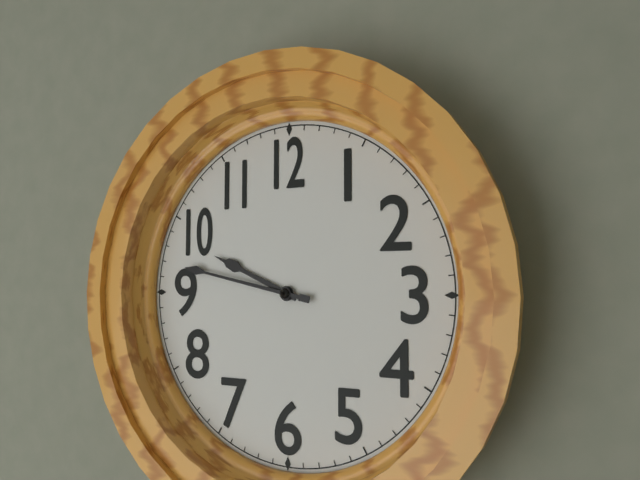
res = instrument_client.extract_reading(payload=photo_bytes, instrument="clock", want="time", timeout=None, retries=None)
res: 9:47
